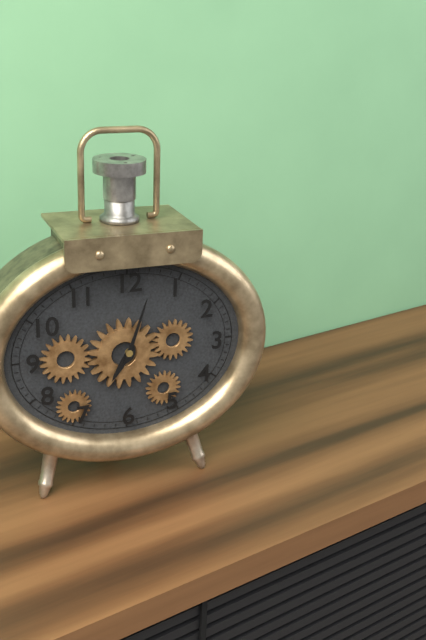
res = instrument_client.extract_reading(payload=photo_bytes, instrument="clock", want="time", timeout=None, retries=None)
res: 7:03
